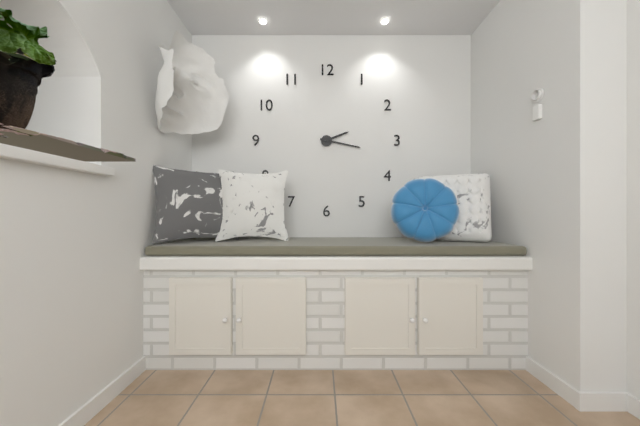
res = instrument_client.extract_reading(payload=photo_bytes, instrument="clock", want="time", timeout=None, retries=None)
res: 2:17
